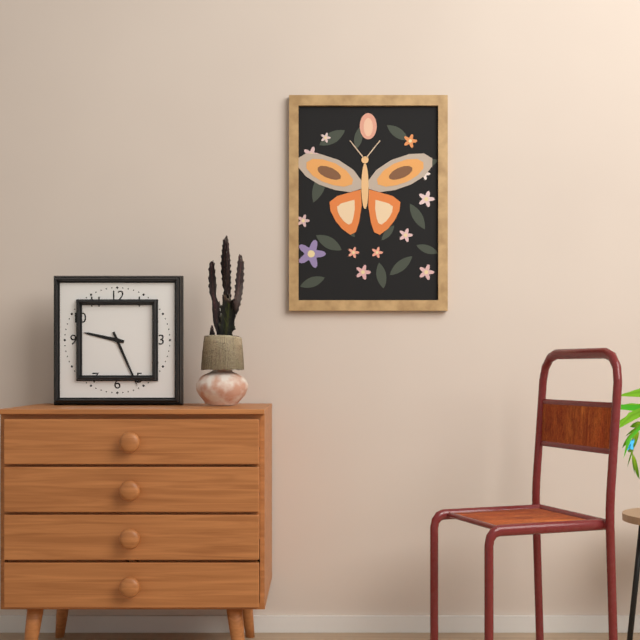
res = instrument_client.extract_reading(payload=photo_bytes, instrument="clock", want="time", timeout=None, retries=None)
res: 9:26
